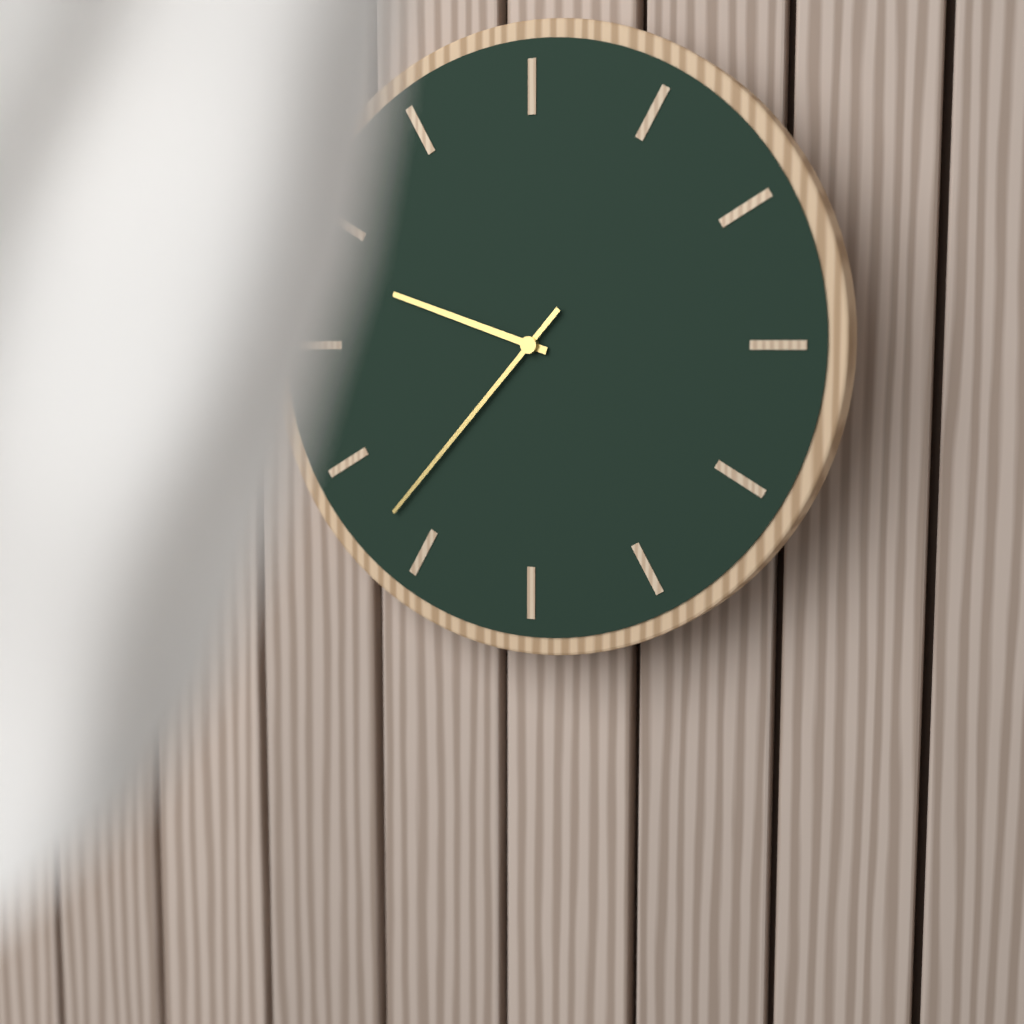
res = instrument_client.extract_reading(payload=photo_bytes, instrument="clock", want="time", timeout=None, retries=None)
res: 9:37
